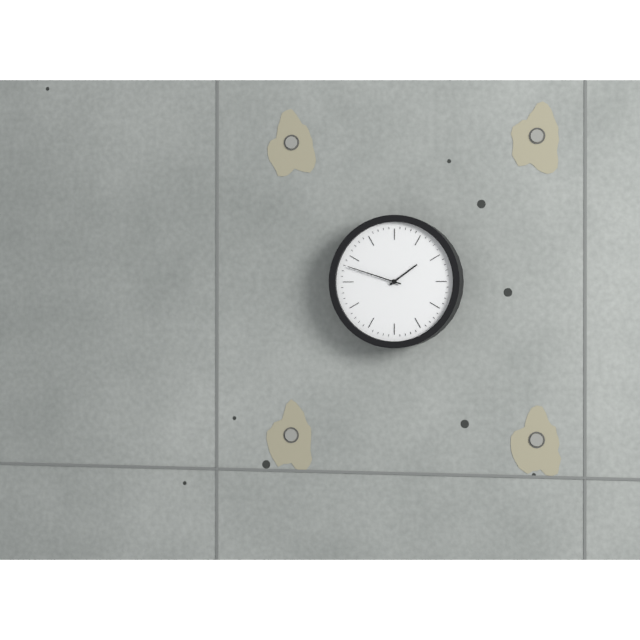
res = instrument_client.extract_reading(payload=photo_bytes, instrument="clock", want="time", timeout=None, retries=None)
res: 1:48
